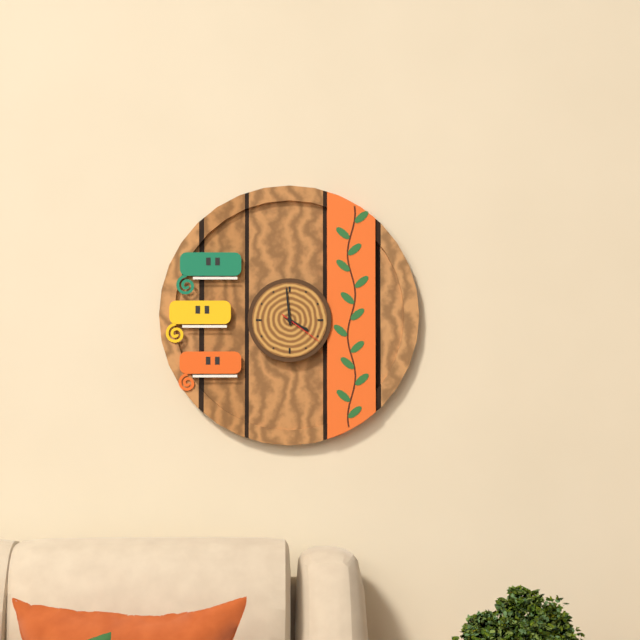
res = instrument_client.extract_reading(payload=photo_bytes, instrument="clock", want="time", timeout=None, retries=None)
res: 3:59
